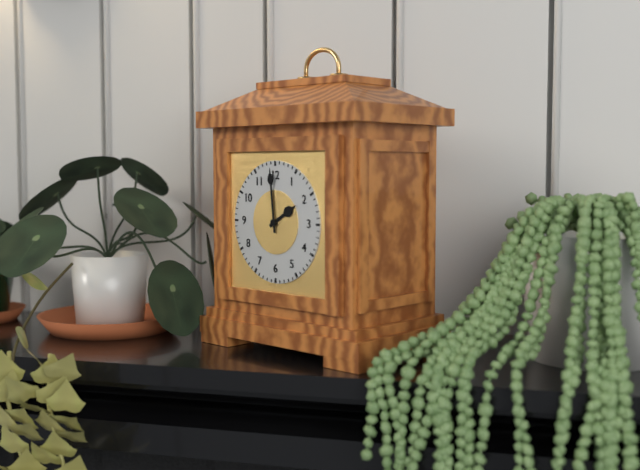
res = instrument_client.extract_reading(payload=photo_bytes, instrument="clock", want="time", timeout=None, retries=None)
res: 1:59
